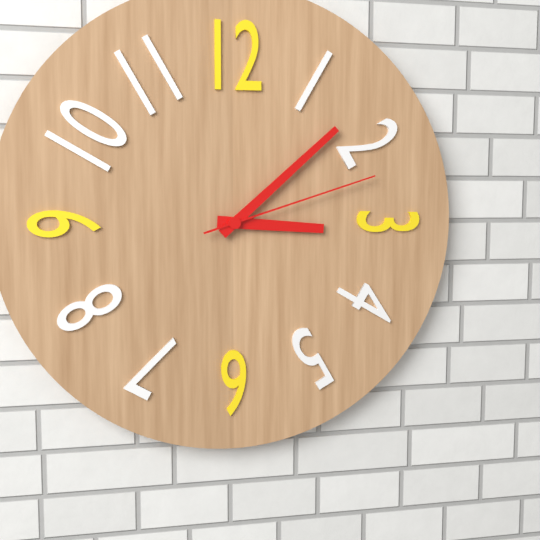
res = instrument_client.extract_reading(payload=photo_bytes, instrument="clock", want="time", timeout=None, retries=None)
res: 3:08:12
